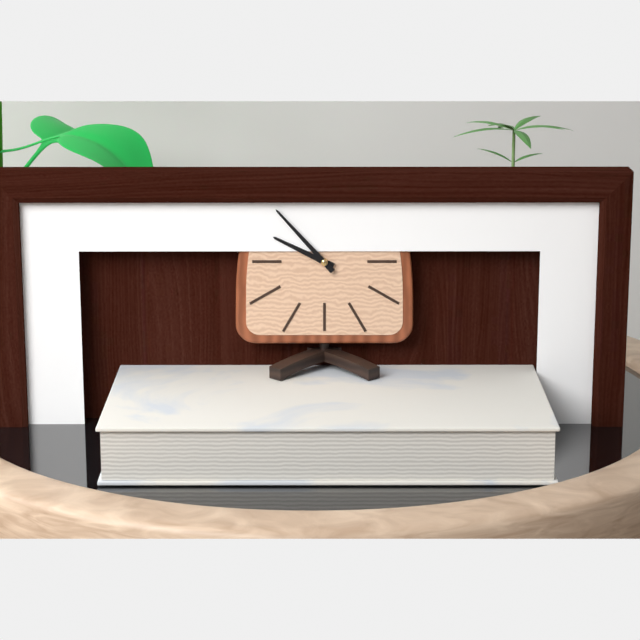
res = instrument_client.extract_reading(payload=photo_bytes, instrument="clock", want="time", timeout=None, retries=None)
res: 9:53
